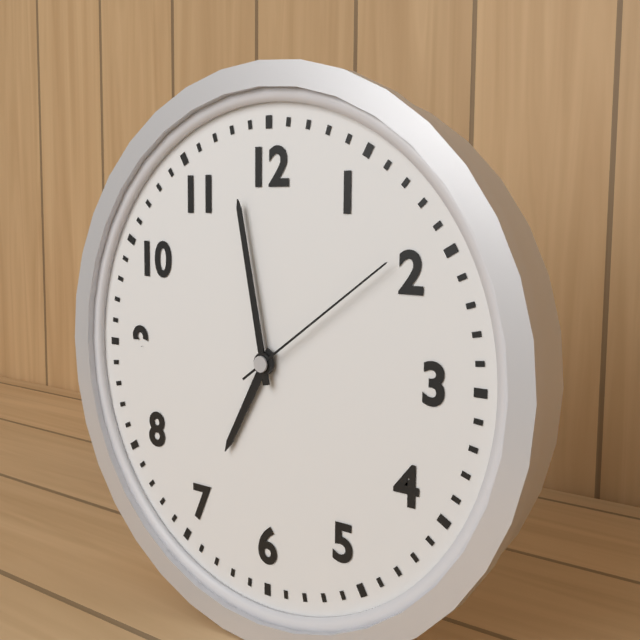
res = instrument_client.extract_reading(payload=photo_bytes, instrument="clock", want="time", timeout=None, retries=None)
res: 6:58:09
